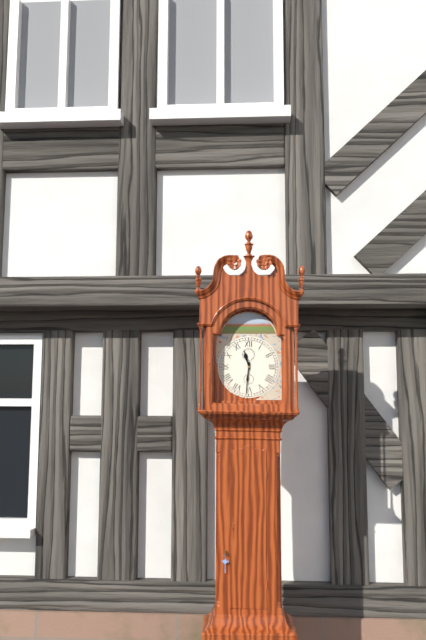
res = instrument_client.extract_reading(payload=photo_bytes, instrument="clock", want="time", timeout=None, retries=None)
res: 11:31
